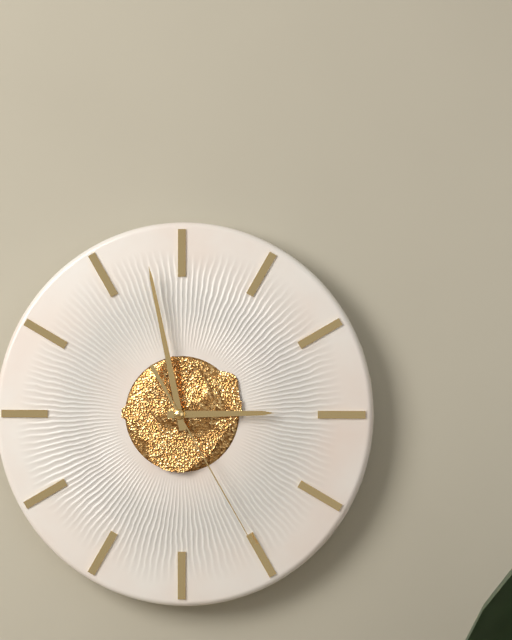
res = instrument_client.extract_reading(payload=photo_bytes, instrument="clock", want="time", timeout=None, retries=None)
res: 2:58:25
